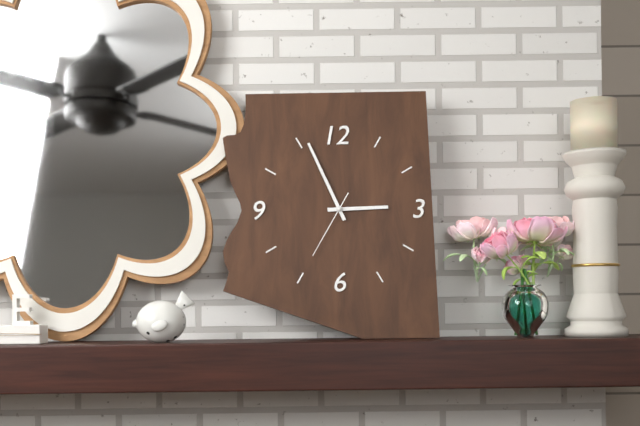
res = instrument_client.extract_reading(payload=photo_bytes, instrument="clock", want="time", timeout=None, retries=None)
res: 2:56:35
